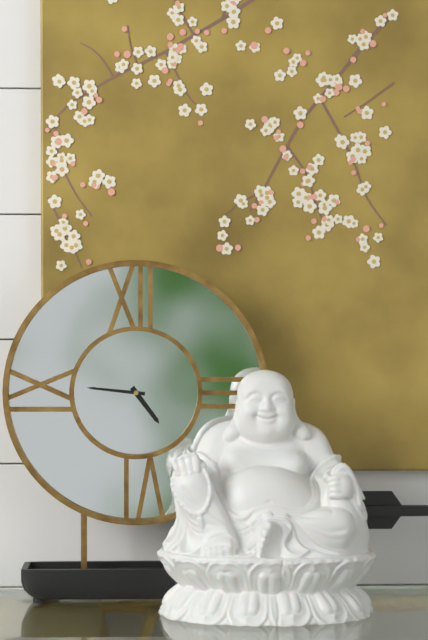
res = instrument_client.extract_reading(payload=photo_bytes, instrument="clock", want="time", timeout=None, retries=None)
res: 4:46
